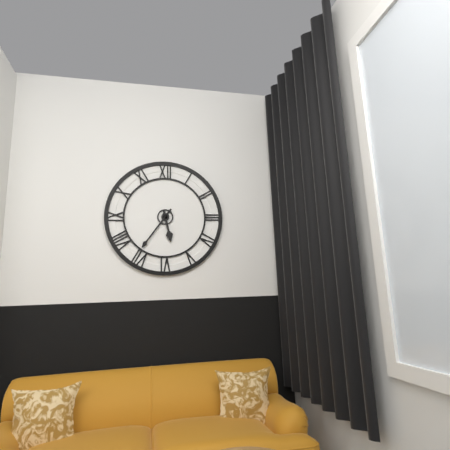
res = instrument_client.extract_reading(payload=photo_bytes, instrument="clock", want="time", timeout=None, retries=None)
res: 5:36
